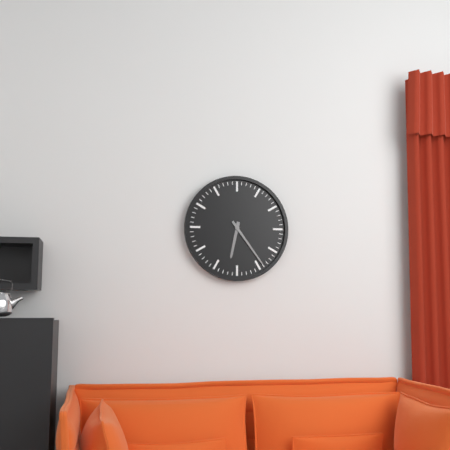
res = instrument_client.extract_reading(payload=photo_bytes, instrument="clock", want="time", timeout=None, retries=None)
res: 6:24
